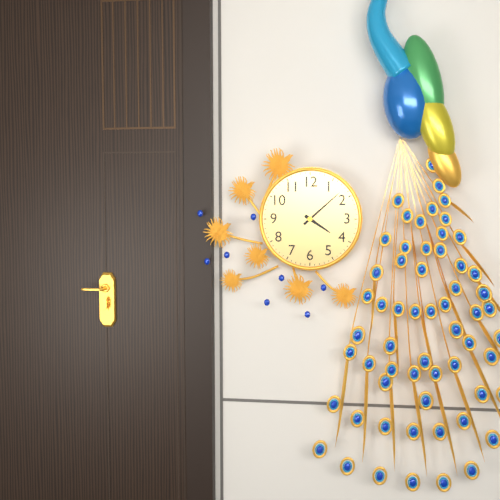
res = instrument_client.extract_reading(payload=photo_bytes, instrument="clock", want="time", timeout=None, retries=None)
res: 4:08
